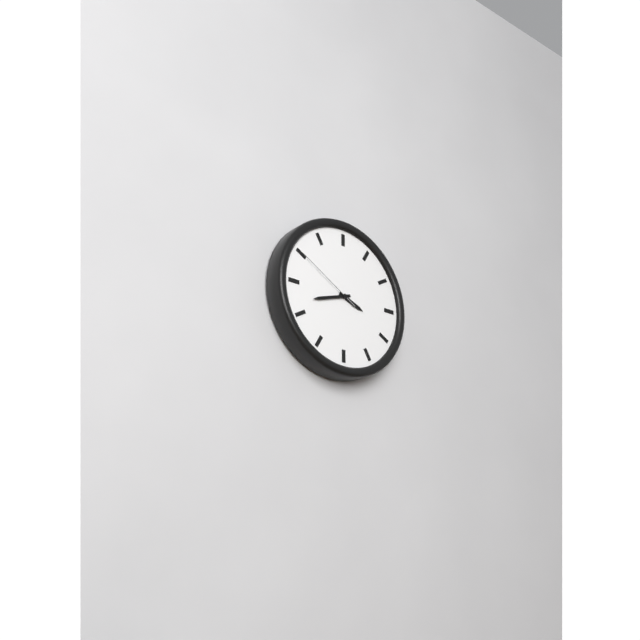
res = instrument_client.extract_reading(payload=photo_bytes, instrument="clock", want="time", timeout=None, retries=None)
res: 3:42:50
